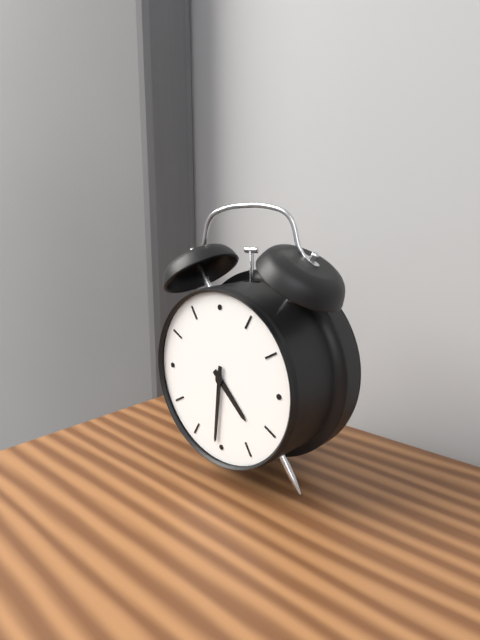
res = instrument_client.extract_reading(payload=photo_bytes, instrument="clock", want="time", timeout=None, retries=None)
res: 4:31
